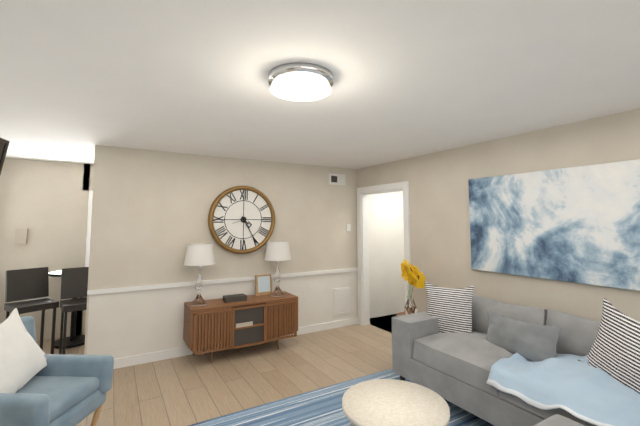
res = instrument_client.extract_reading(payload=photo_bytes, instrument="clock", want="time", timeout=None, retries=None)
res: 4:25
